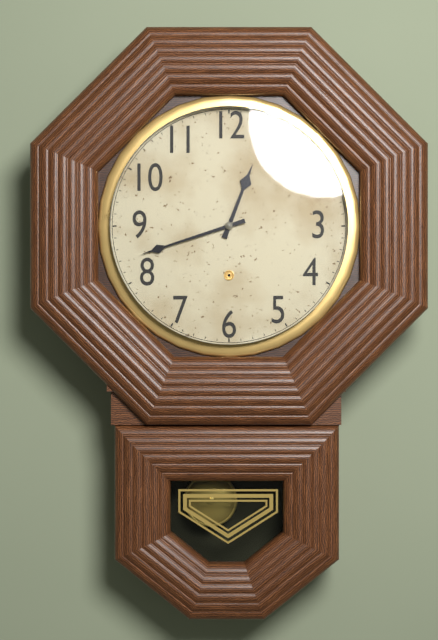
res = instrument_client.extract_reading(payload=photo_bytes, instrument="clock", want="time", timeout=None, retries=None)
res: 12:42
